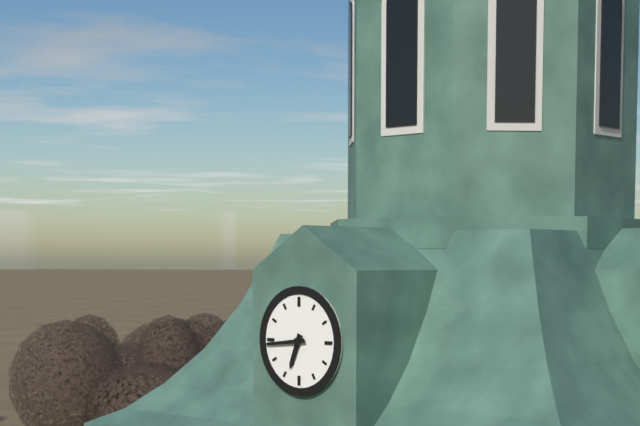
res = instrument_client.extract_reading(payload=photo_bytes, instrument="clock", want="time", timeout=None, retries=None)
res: 6:44
